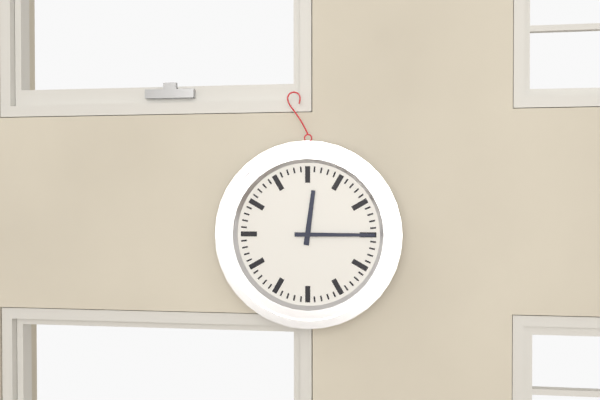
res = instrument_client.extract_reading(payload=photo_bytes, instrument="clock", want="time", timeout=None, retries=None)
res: 12:15
